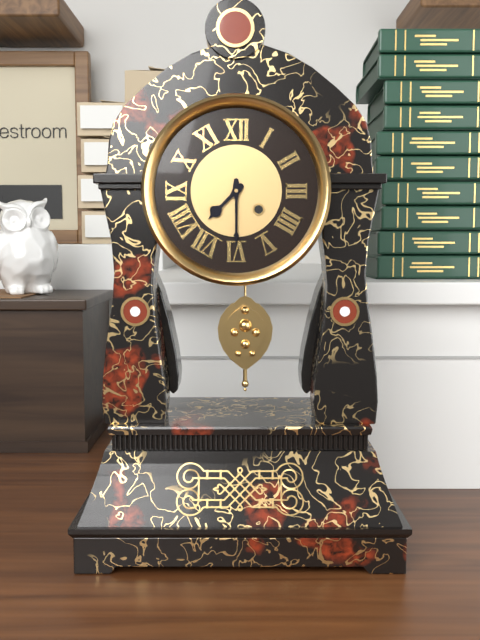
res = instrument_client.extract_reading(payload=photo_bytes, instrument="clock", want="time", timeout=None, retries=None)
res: 7:30
